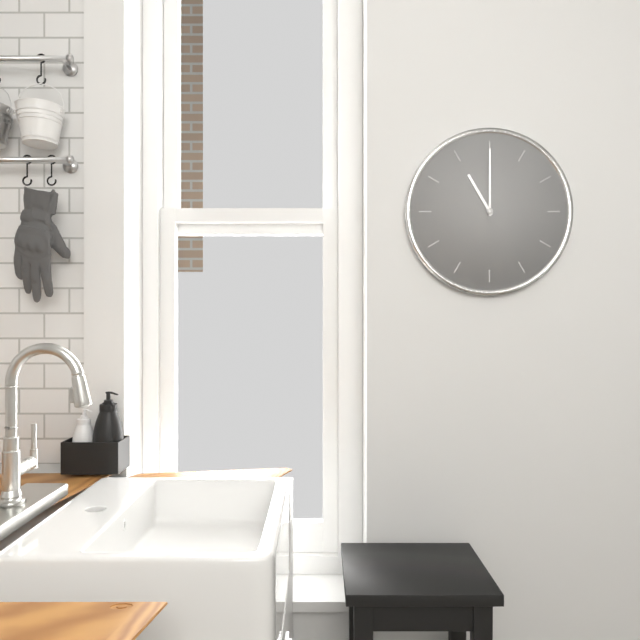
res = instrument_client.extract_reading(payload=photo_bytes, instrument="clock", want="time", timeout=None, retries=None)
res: 11:00
